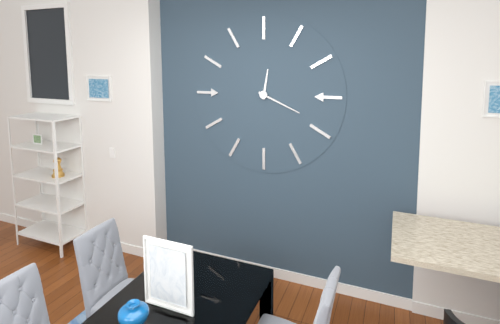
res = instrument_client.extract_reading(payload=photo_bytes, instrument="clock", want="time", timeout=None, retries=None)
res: 12:19
